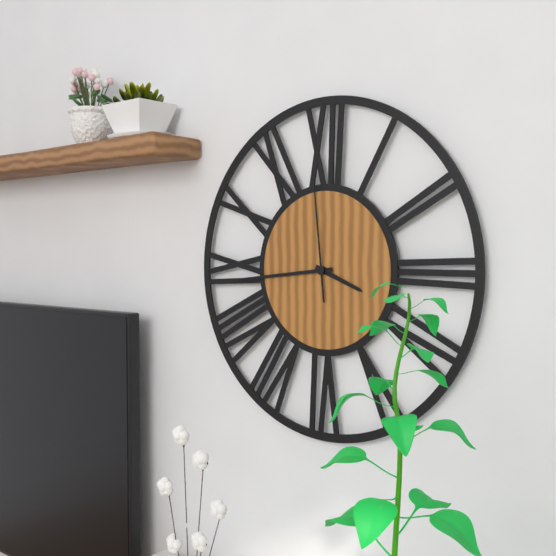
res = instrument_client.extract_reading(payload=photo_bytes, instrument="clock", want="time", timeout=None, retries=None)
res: 3:44:59
